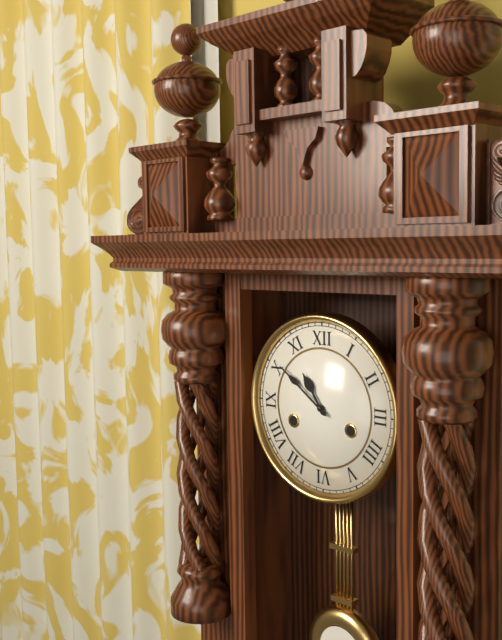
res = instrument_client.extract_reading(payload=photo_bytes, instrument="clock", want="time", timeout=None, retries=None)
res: 10:51
